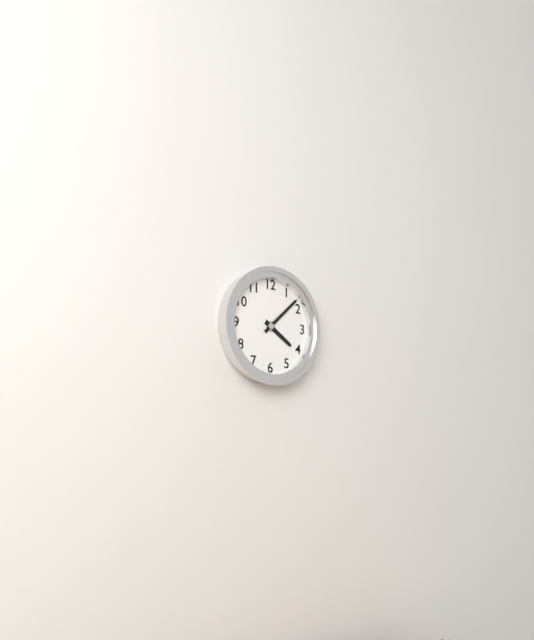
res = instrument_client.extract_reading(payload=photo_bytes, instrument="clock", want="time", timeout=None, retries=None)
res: 4:08
